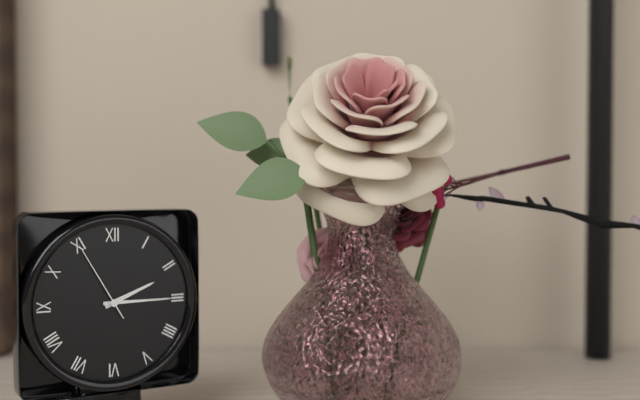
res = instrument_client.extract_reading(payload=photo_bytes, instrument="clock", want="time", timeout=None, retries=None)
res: 2:15:55
